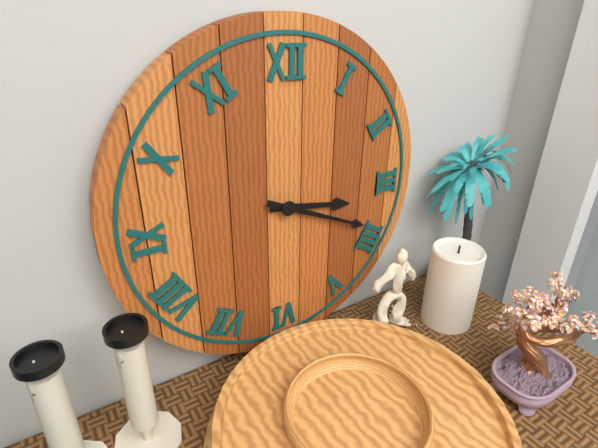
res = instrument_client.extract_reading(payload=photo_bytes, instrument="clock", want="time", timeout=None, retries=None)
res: 3:19
